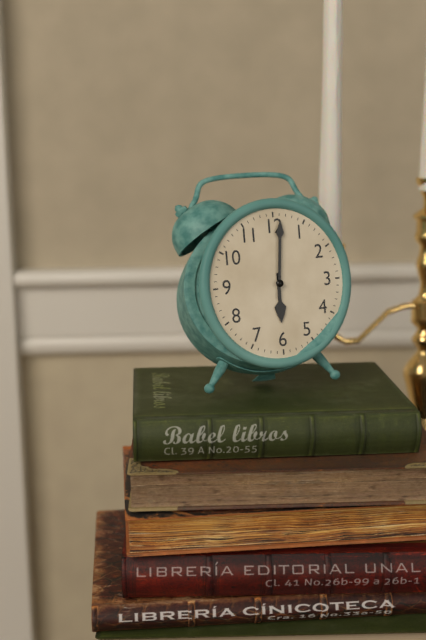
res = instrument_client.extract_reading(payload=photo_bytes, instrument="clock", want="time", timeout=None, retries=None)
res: 6:01
